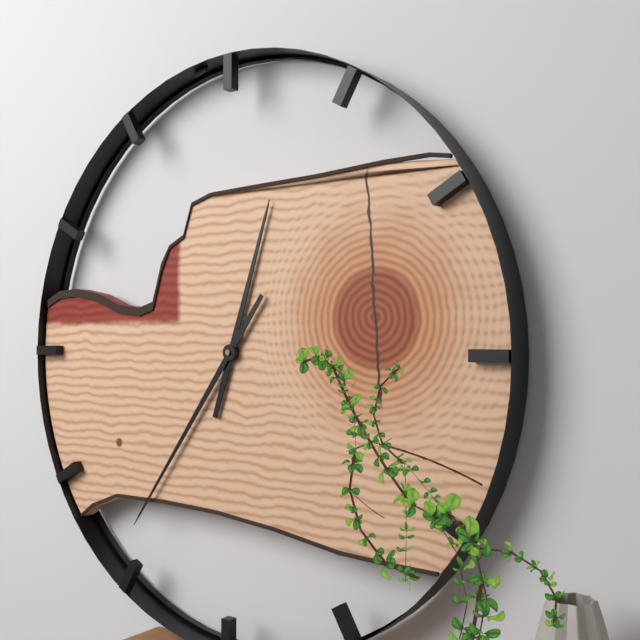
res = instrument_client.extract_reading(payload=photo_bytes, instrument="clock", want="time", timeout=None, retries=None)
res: 12:36
